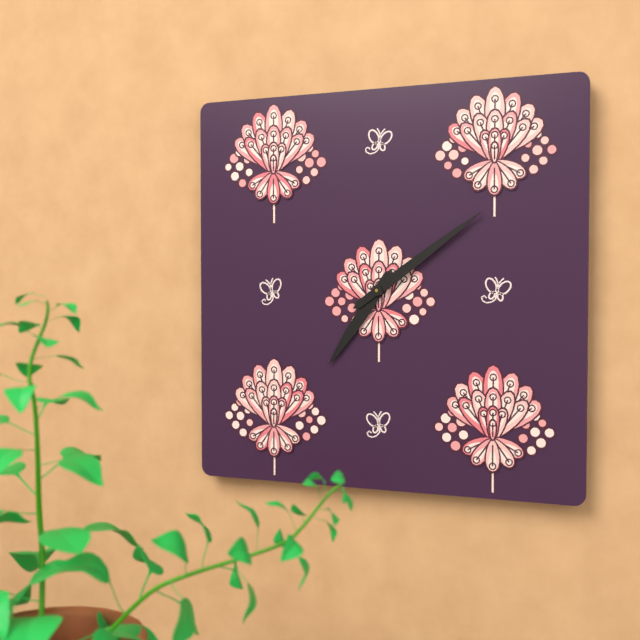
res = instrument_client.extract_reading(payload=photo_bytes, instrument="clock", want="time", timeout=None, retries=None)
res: 7:09
